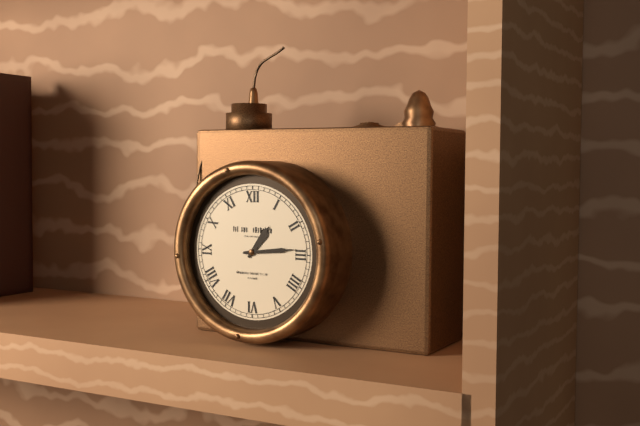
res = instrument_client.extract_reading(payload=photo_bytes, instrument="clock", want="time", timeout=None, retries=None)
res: 1:14
